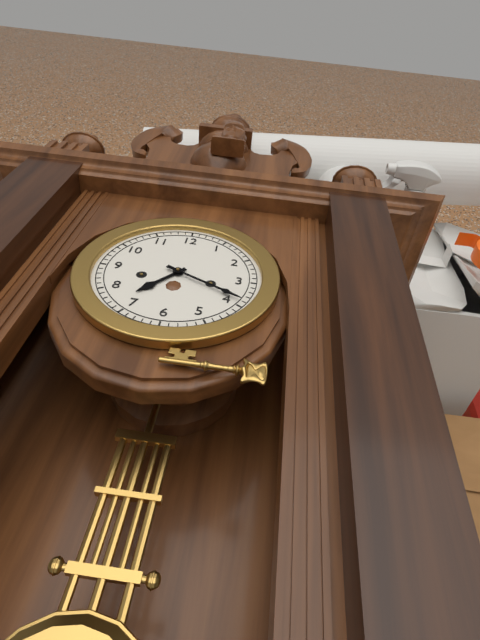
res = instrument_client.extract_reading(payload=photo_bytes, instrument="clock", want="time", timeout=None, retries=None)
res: 7:19
